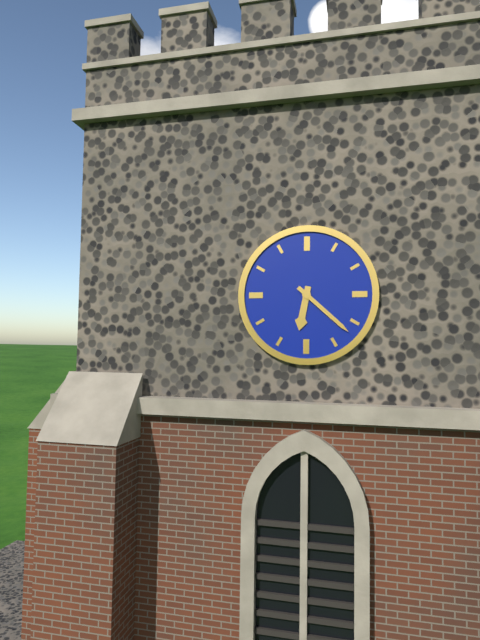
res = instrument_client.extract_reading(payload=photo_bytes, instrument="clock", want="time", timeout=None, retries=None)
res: 6:22
